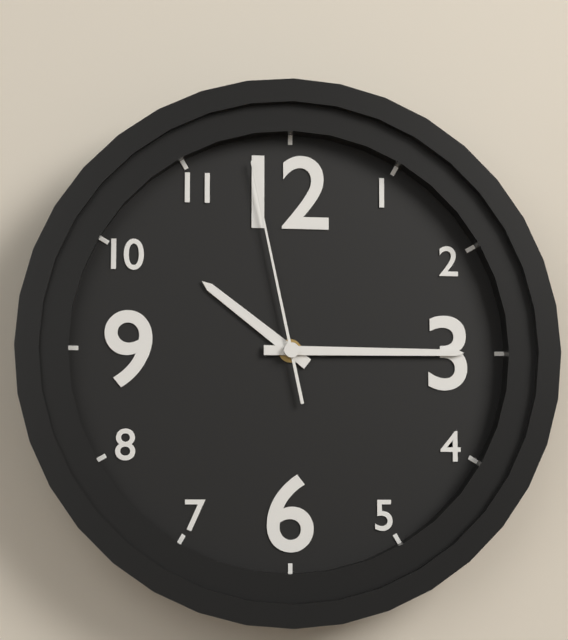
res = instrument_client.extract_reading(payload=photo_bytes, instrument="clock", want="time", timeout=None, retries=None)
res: 10:15:58
